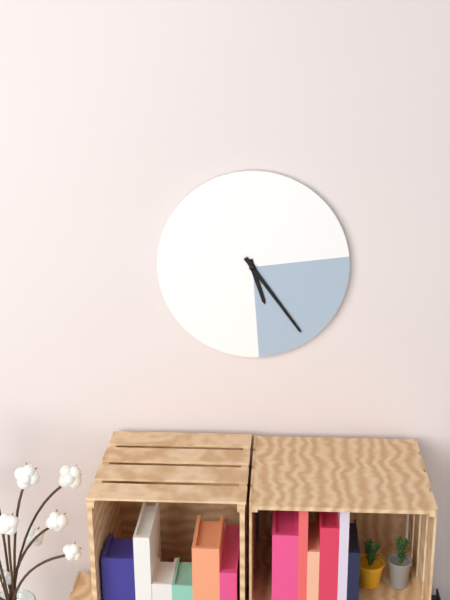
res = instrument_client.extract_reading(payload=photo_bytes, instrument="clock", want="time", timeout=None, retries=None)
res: 5:24
